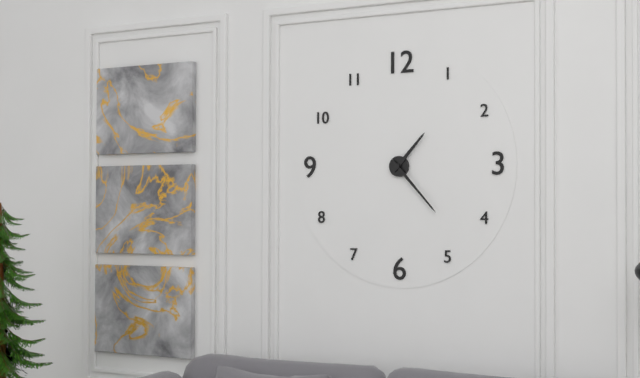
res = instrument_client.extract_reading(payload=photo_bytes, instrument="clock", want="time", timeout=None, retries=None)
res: 1:23
